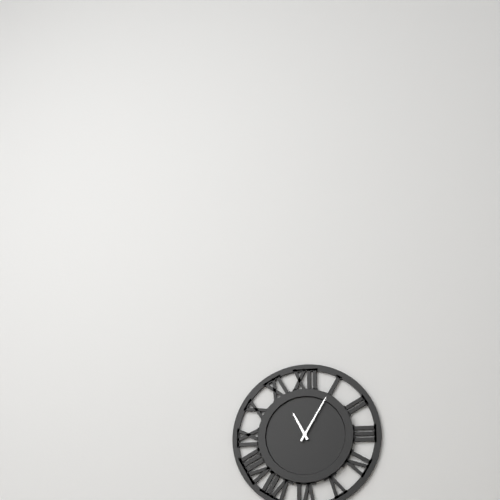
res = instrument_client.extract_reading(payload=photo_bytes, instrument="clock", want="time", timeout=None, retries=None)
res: 11:05
